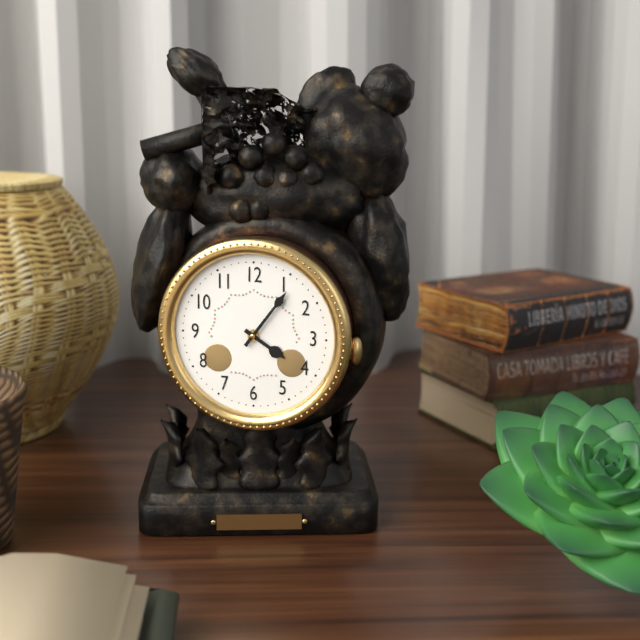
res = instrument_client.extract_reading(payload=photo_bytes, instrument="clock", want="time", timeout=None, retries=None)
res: 4:06
